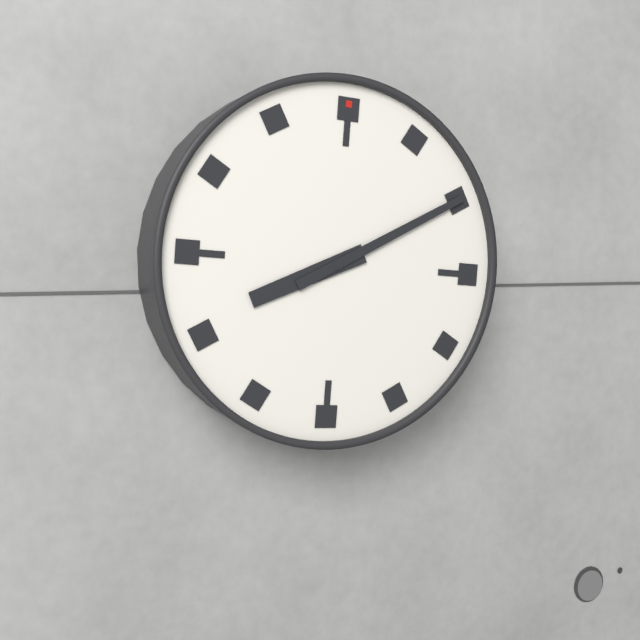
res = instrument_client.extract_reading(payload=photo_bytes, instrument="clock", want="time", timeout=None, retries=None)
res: 8:10
